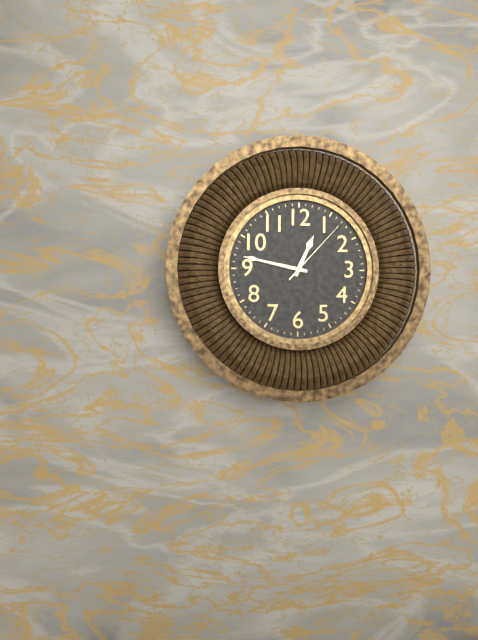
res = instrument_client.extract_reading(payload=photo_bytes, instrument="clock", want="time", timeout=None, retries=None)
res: 12:47:07
